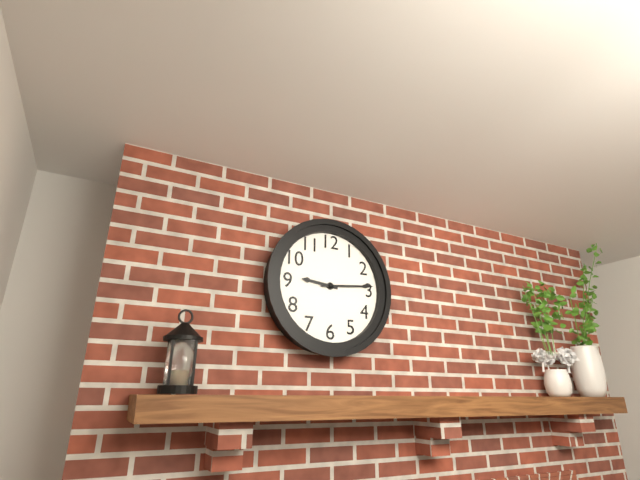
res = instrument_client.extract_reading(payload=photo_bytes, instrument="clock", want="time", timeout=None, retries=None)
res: 9:14
